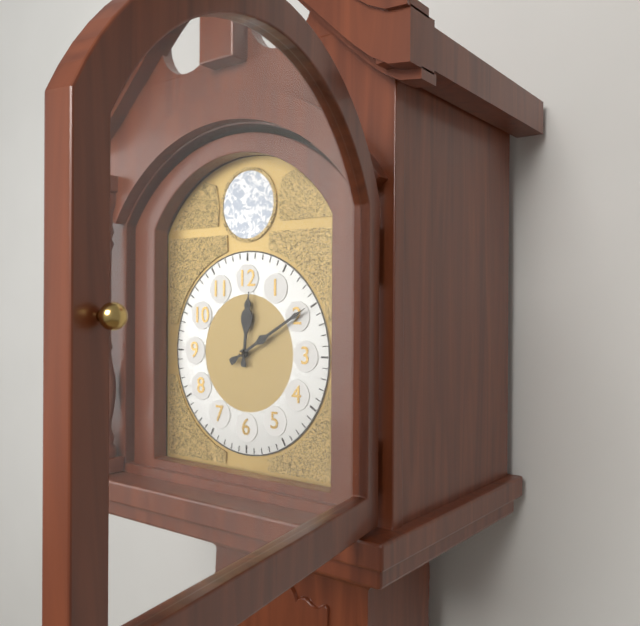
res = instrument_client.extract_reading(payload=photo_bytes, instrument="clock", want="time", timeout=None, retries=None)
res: 12:10
